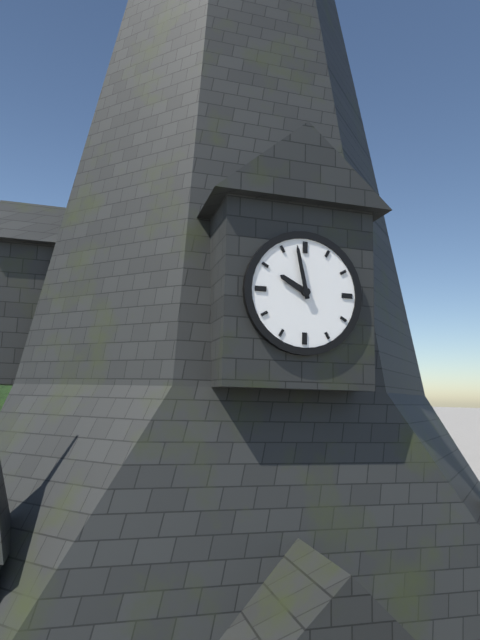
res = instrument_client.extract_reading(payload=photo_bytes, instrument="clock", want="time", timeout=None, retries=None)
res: 9:58
